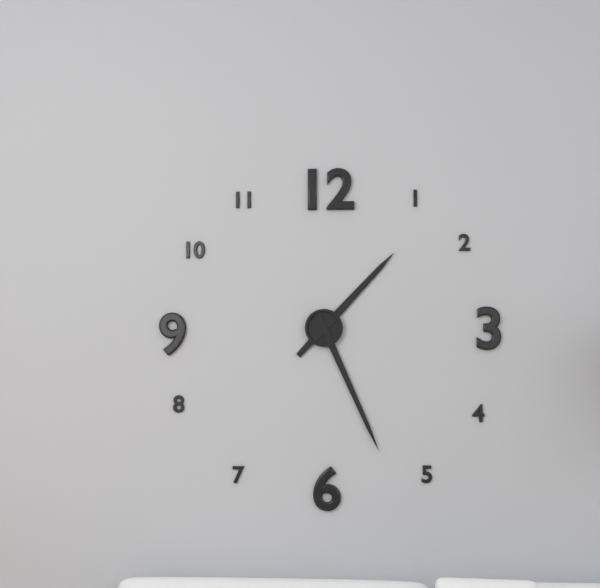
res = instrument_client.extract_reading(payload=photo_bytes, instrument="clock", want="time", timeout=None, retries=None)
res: 1:26
